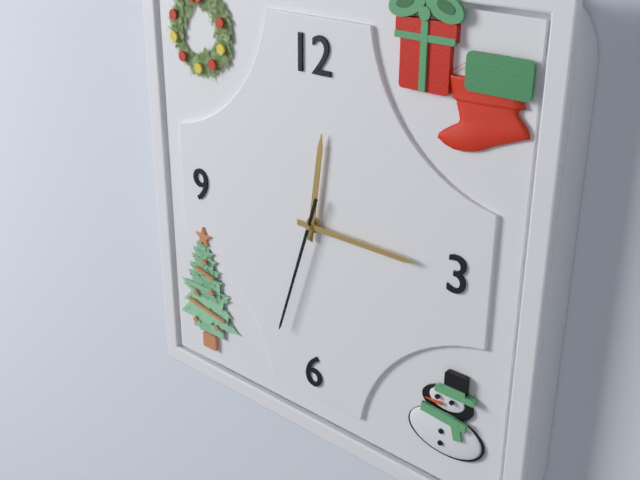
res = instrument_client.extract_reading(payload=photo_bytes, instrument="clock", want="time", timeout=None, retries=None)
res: 12:15:33
